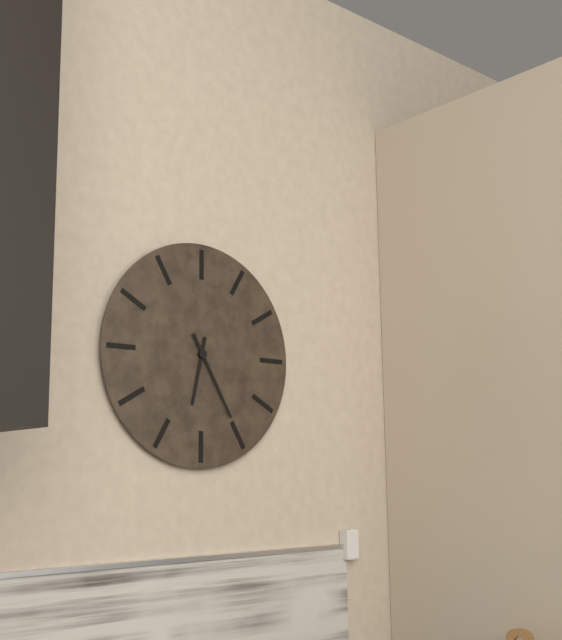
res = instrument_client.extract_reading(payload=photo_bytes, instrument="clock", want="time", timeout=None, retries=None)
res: 6:25
